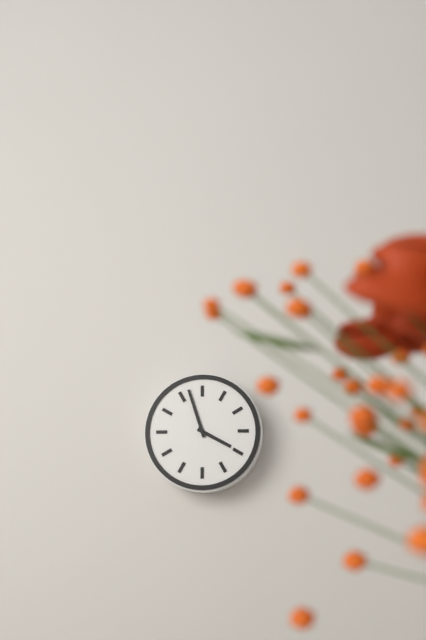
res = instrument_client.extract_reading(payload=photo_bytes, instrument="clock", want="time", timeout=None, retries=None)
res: 3:57
